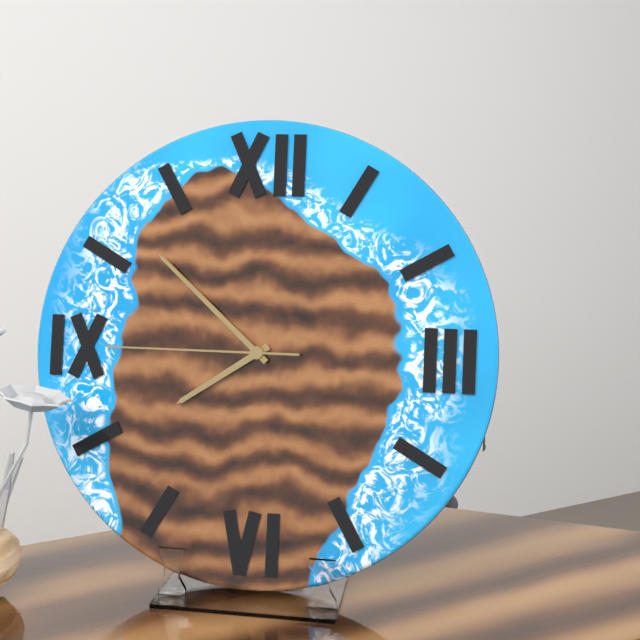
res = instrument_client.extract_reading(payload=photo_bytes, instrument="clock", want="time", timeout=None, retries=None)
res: 7:52:45
